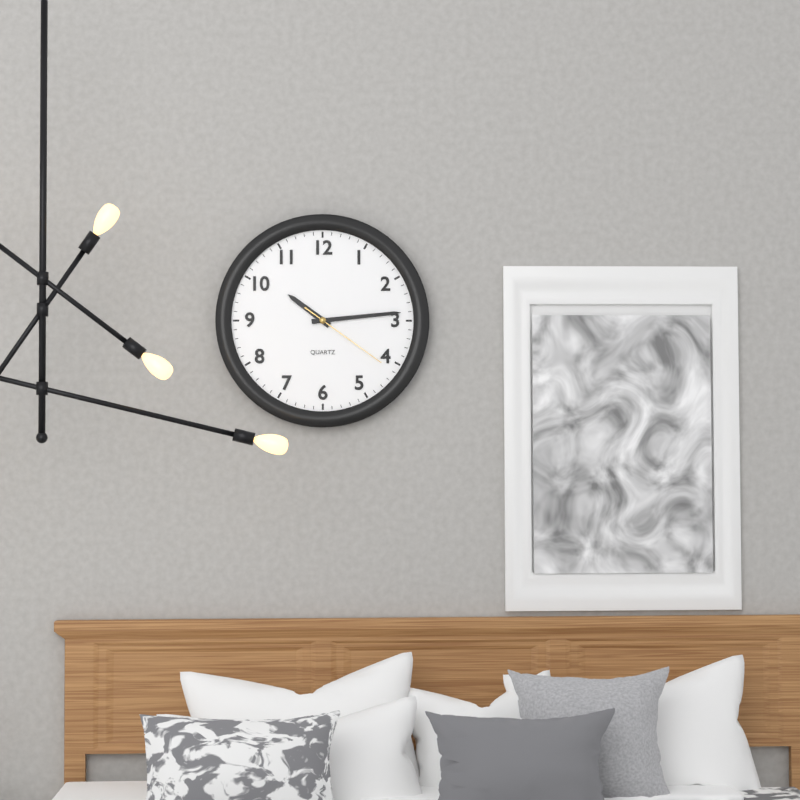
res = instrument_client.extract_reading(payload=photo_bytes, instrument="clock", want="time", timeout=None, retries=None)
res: 10:14:21
